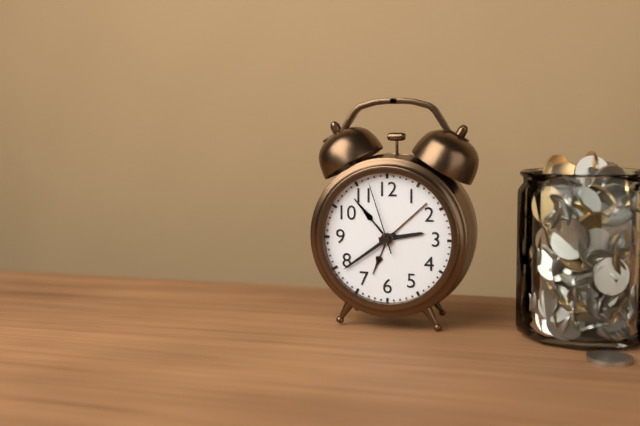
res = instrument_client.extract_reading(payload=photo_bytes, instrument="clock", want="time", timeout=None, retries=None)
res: 2:39:57
